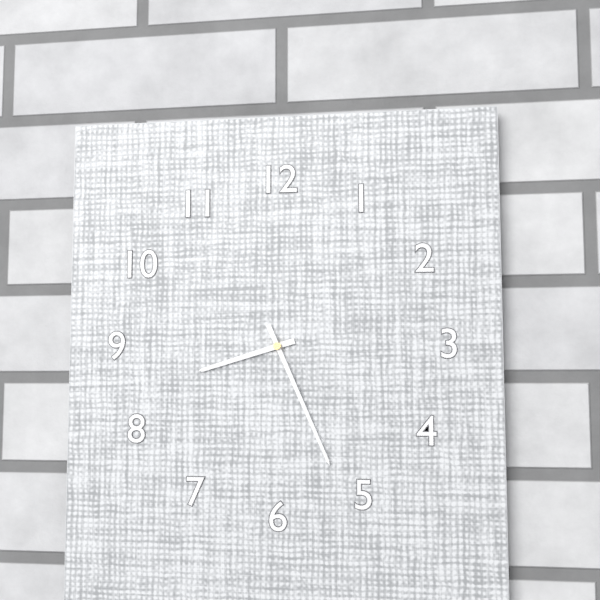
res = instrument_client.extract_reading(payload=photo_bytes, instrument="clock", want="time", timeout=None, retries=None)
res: 8:26
